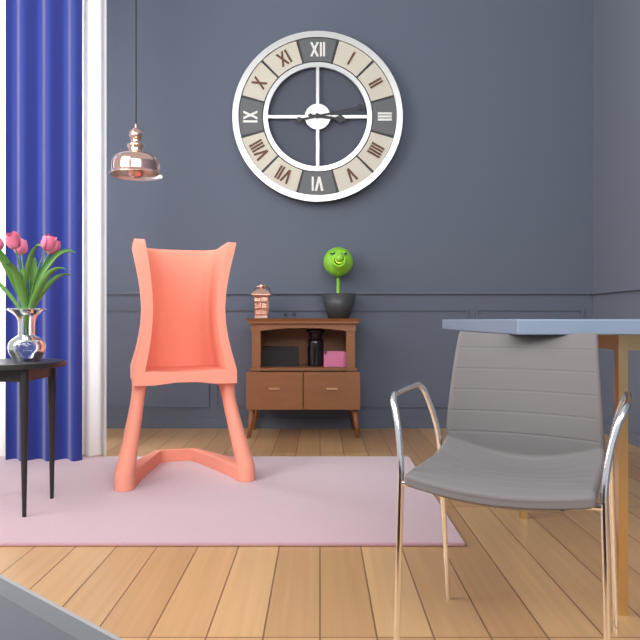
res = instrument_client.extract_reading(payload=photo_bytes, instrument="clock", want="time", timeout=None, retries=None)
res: 3:13
